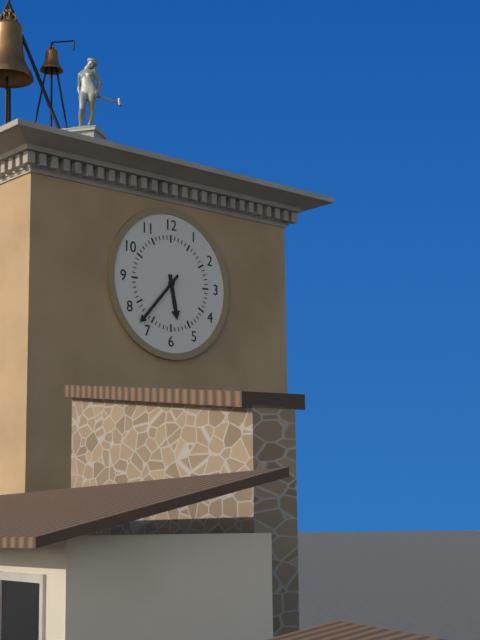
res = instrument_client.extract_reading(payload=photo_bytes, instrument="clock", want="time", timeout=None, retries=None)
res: 5:37
